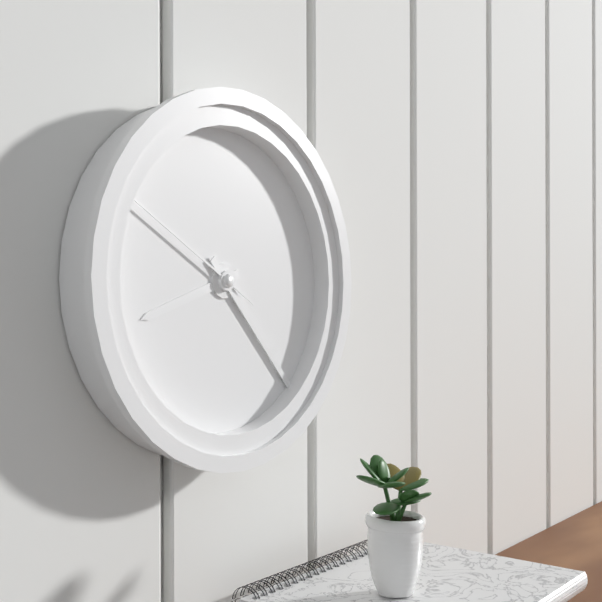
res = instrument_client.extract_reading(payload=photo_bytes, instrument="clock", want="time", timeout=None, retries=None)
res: 8:23:50
